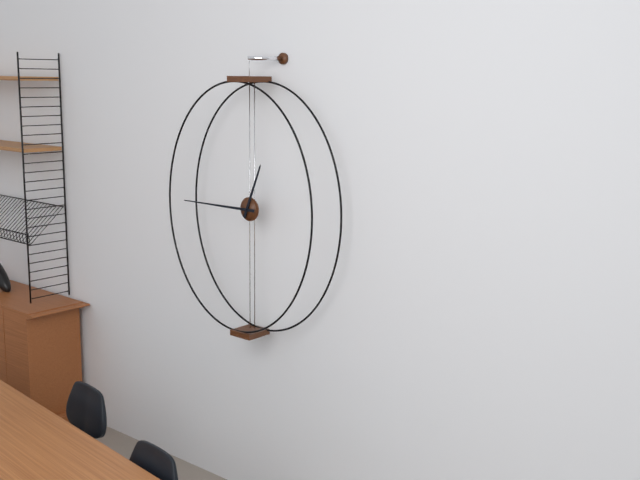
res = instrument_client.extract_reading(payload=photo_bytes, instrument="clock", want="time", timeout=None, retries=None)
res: 12:45
